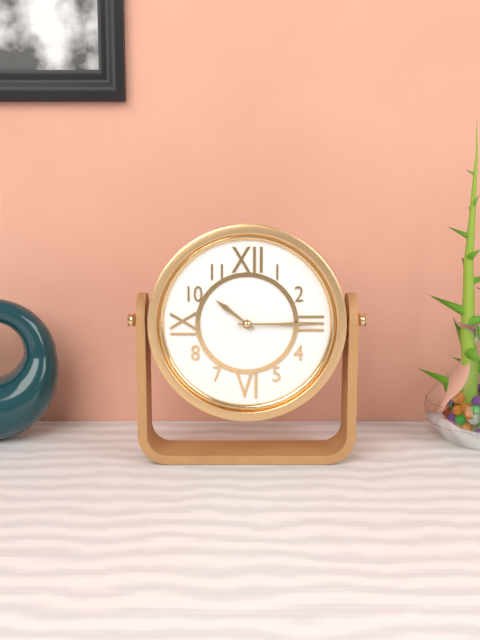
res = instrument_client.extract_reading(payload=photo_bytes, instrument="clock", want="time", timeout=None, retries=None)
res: 10:15
